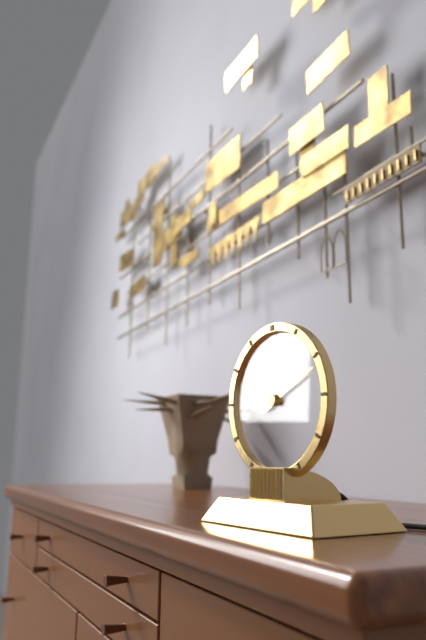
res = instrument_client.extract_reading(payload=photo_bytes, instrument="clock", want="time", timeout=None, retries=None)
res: 9:11
